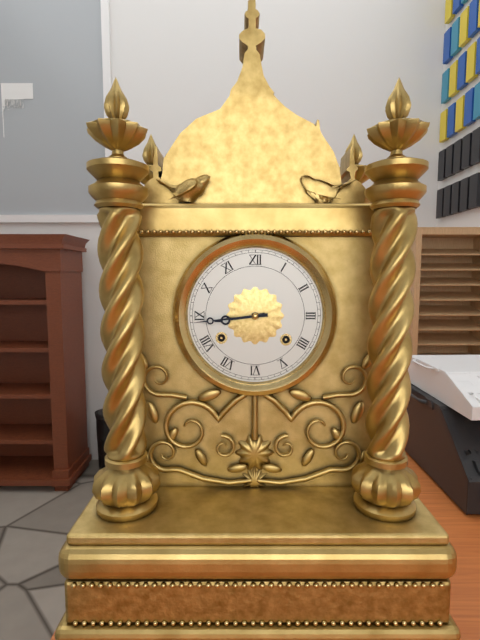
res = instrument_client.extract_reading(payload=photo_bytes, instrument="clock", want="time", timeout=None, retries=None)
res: 8:44
